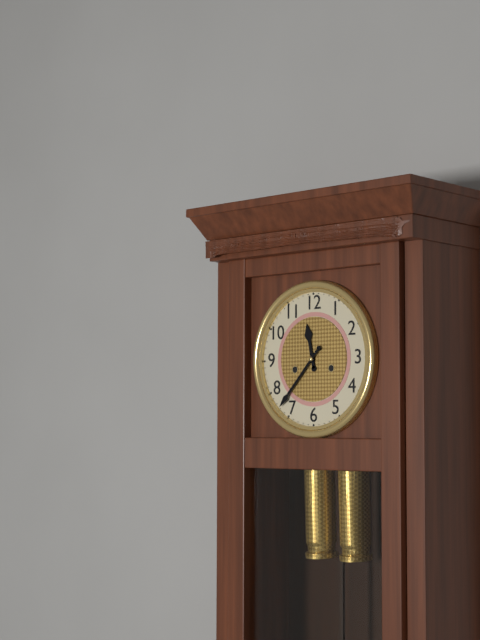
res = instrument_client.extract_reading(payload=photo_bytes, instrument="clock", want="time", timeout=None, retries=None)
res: 11:37
